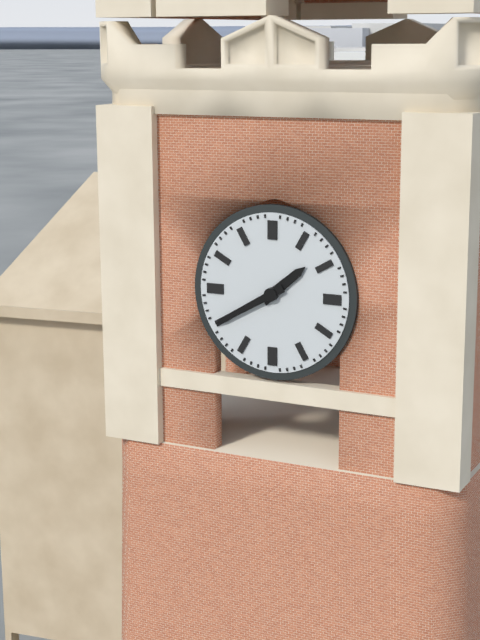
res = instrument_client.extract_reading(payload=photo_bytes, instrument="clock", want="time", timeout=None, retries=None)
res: 1:40
